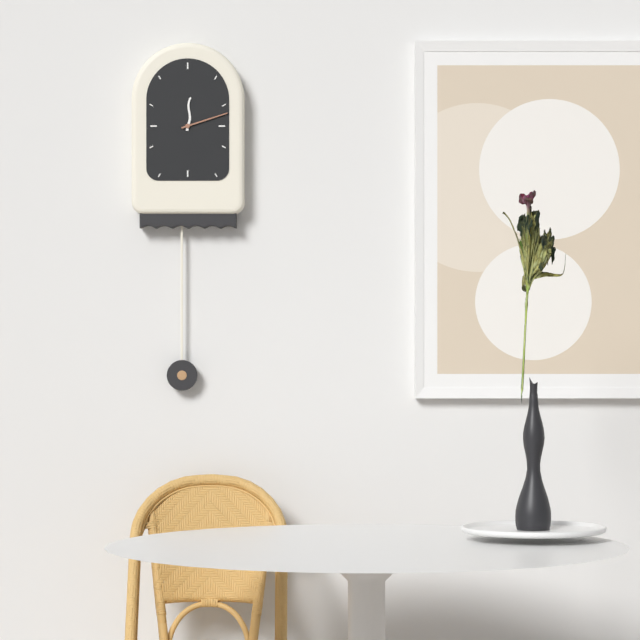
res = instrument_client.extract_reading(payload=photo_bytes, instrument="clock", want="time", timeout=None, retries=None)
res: 12:12
